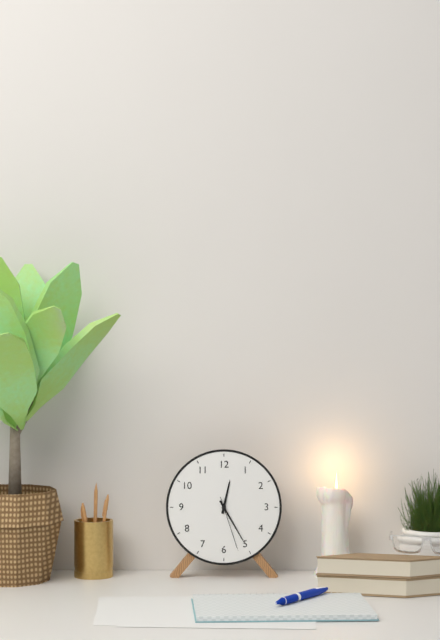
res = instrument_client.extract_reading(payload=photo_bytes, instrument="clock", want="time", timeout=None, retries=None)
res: 12:25:27
